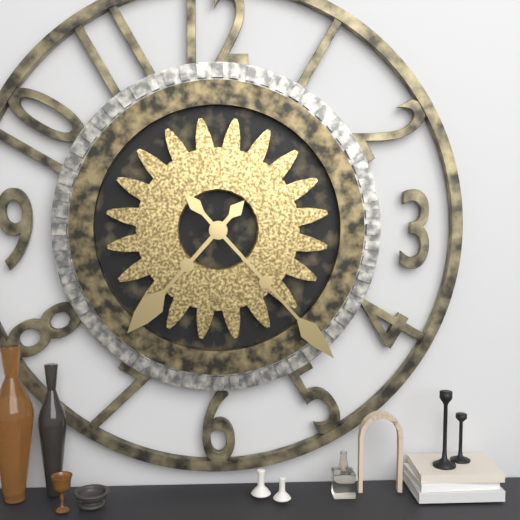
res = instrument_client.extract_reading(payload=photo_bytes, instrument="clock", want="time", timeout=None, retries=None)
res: 7:23
